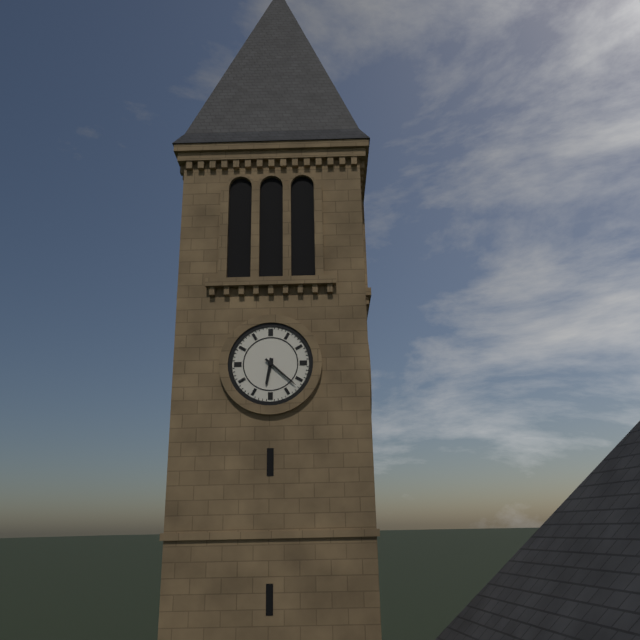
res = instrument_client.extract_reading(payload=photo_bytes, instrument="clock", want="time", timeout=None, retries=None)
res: 6:22
